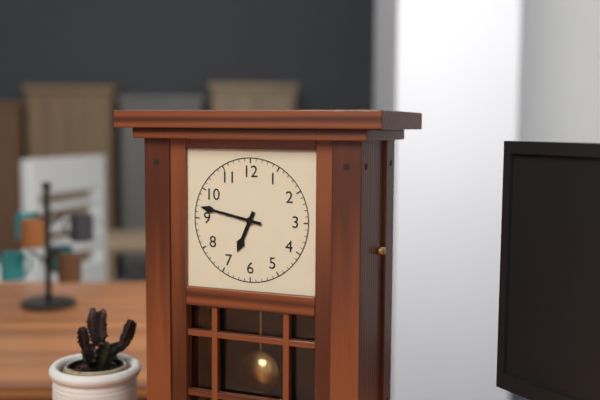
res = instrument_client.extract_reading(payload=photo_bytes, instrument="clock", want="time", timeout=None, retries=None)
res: 6:47
